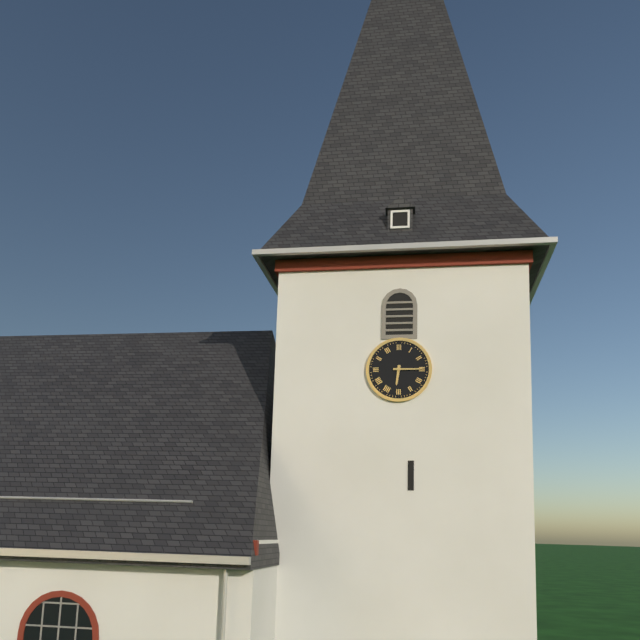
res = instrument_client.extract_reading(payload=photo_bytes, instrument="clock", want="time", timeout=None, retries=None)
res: 6:15
